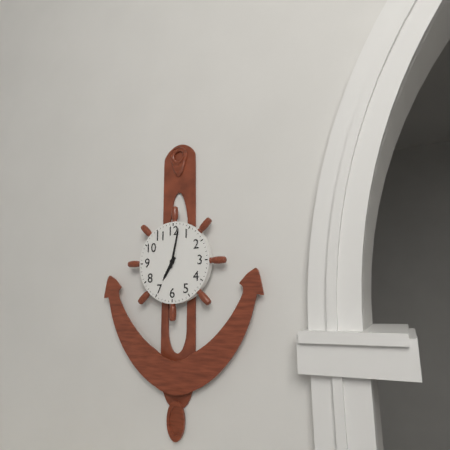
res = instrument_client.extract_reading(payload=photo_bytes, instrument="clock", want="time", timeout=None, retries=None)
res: 7:02
